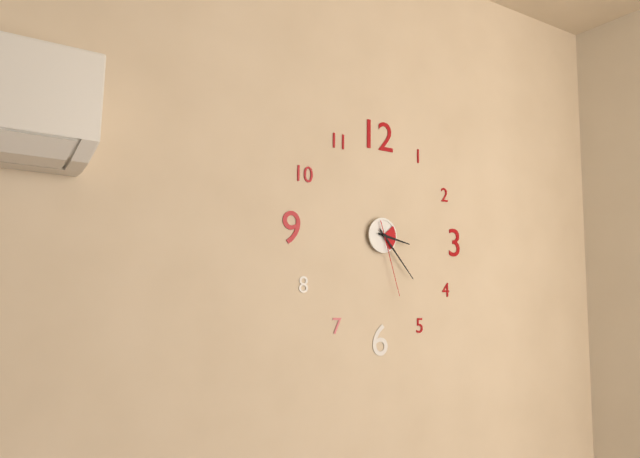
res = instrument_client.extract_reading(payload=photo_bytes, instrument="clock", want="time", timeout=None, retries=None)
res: 3:23:27
